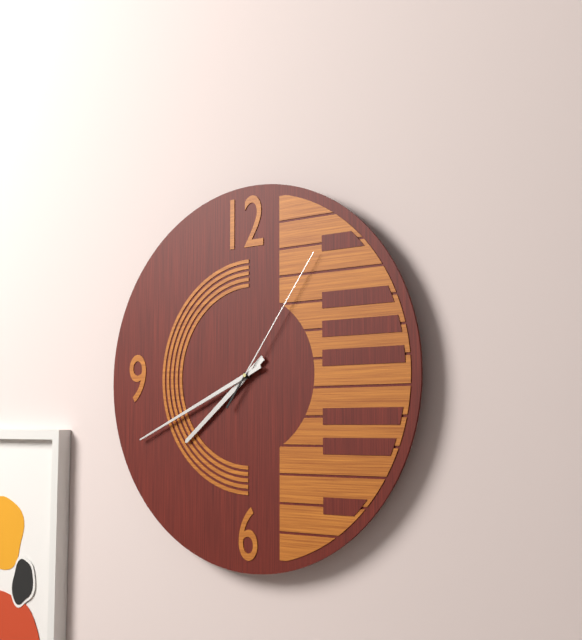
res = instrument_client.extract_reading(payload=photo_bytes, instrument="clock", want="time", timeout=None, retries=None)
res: 7:41:06
